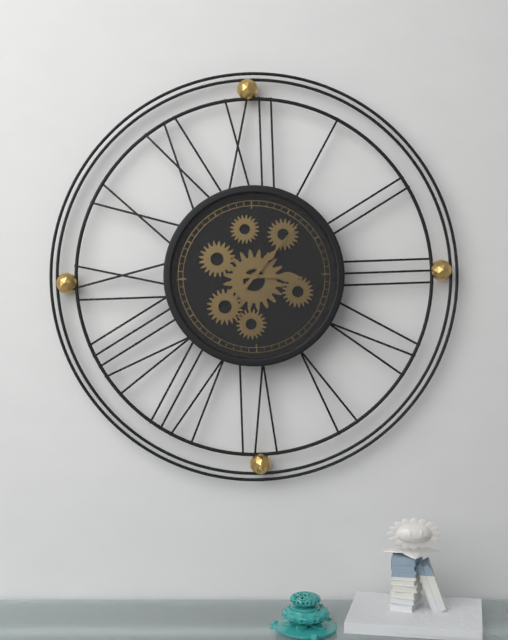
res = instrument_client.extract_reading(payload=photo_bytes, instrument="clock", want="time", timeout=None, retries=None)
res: 3:07
